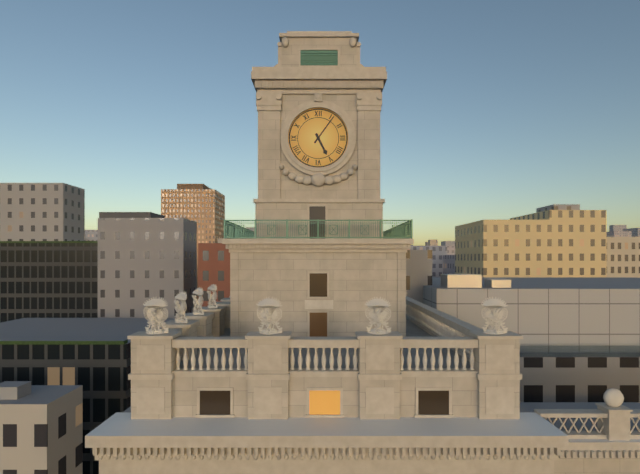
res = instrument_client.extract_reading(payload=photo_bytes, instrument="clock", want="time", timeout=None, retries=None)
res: 5:06
